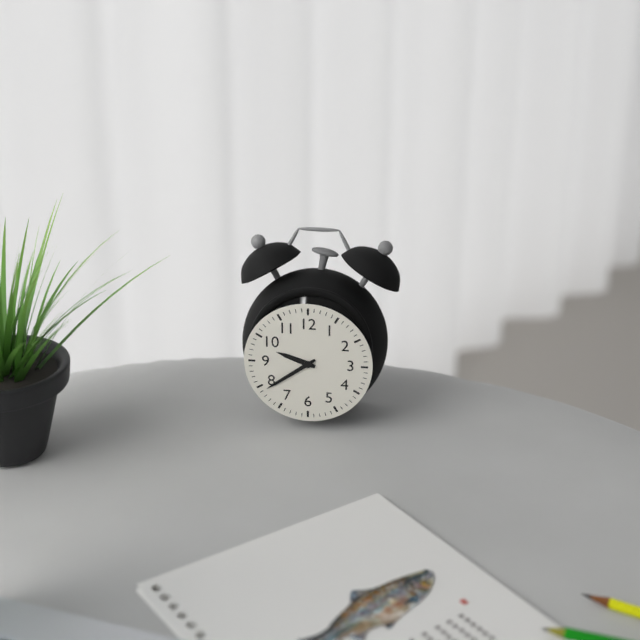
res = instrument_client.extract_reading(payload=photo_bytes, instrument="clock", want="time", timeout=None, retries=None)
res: 9:39
